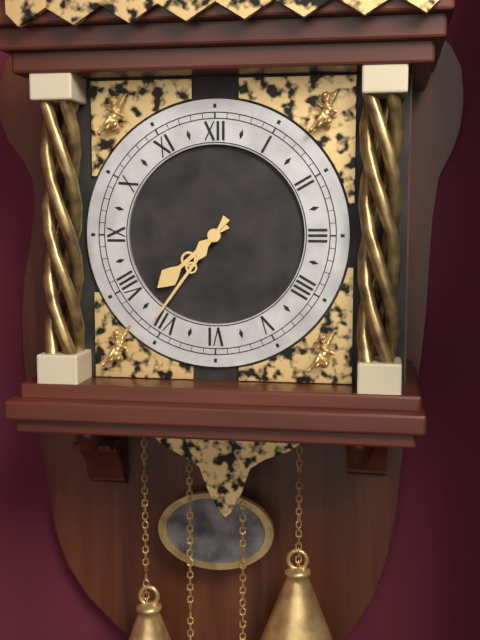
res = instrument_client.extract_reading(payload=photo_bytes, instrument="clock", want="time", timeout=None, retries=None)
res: 7:36
